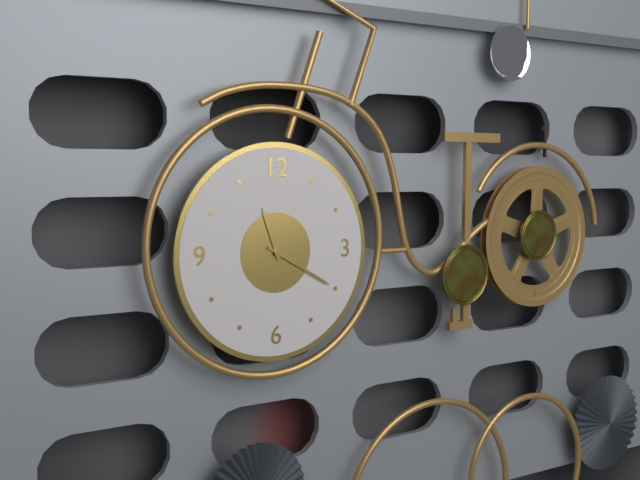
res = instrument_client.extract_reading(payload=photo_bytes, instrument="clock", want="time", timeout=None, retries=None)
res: 11:20
